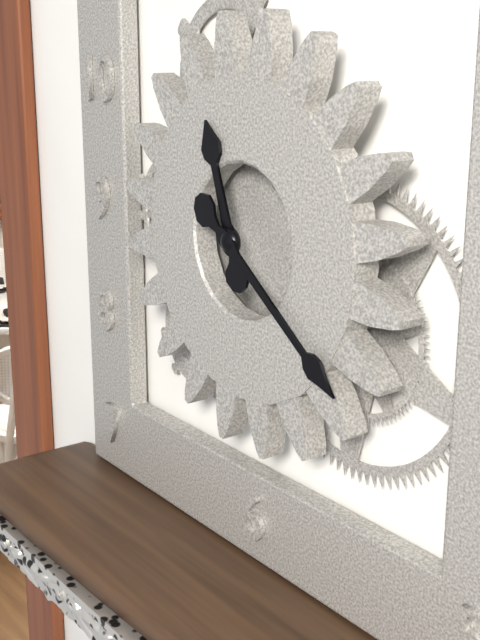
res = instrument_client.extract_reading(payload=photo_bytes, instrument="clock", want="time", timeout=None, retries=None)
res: 11:21
